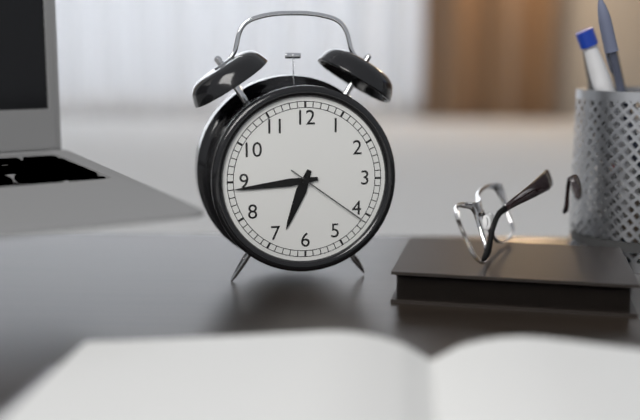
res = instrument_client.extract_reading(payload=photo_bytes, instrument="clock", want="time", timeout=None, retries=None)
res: 6:44:21
